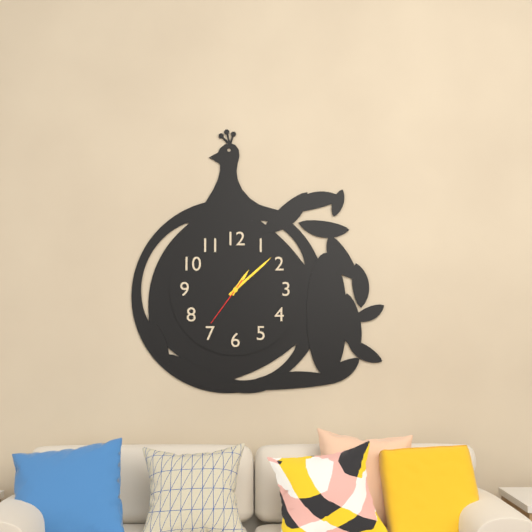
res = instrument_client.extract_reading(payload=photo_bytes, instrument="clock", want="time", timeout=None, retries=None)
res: 1:08:36
